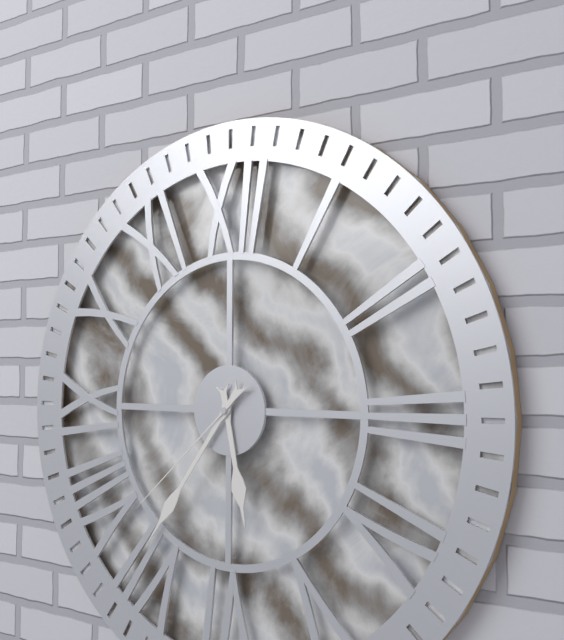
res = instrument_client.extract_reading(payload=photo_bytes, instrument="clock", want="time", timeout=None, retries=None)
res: 5:36:38
